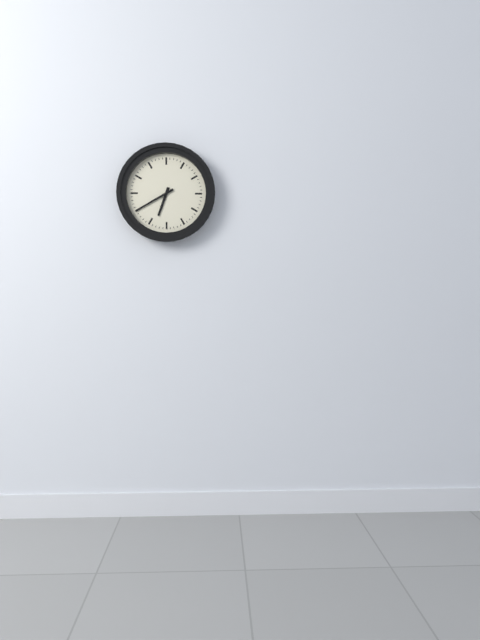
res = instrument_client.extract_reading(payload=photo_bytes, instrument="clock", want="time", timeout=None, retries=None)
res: 6:40
